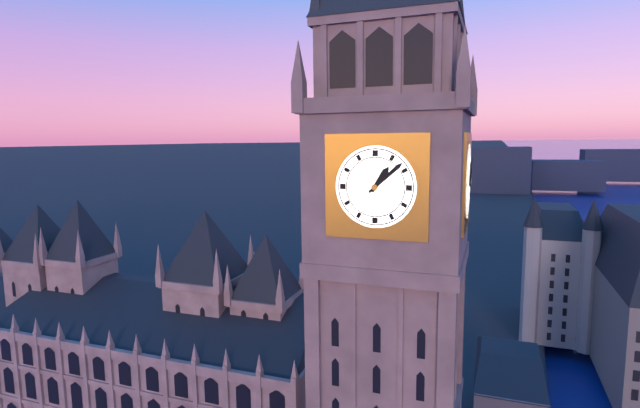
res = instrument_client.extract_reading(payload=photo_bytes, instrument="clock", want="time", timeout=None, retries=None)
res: 1:08
